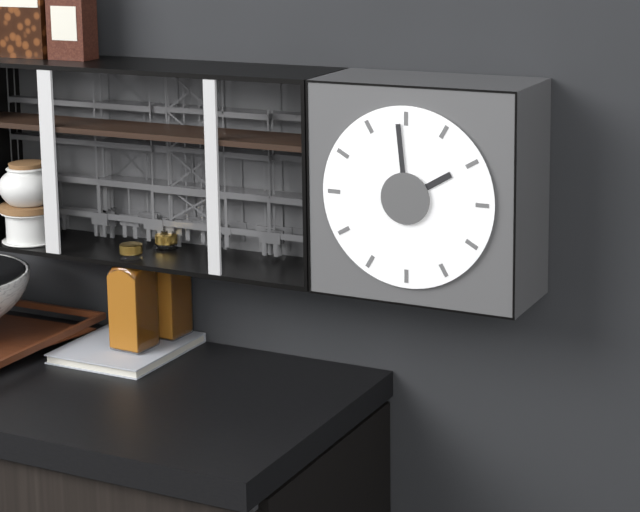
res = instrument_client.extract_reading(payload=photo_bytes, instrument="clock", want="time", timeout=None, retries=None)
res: 1:59
